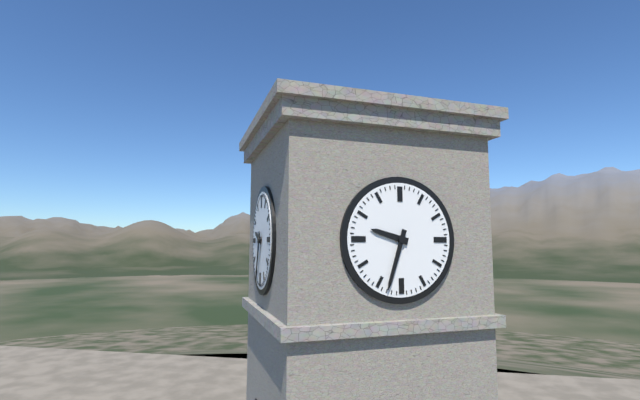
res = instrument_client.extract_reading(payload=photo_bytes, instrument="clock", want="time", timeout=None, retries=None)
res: 9:33
